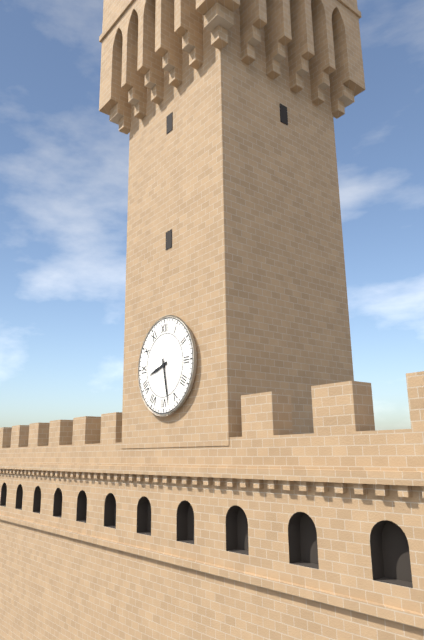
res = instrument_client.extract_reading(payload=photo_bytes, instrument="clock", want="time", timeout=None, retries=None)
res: 8:28
